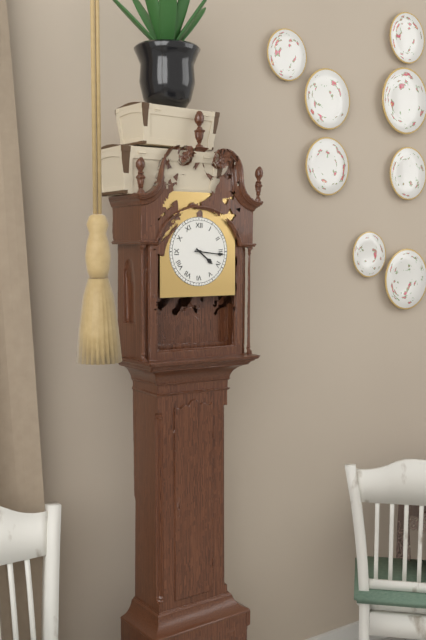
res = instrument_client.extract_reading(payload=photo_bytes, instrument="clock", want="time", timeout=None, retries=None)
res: 4:16
